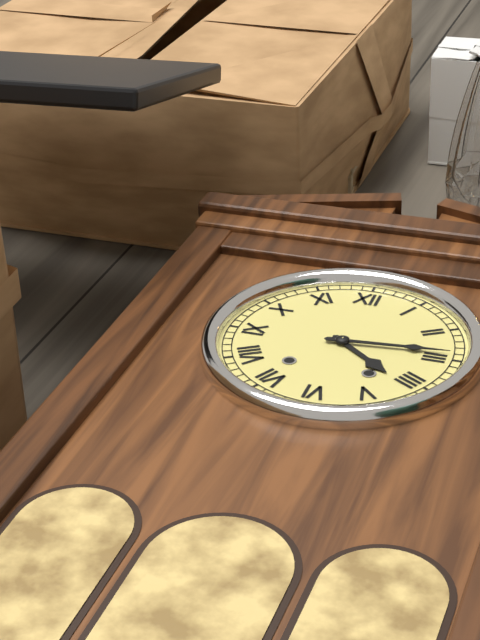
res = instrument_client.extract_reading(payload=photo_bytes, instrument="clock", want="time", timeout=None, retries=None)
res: 4:14
